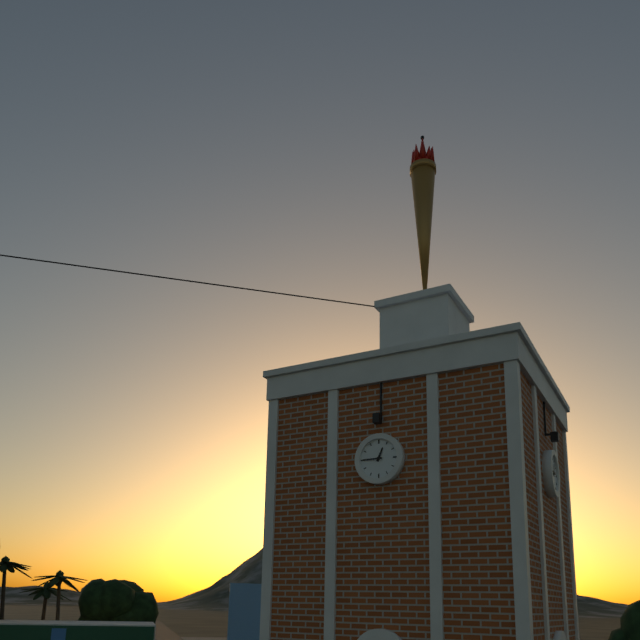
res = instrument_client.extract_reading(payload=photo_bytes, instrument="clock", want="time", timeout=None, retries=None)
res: 12:45
